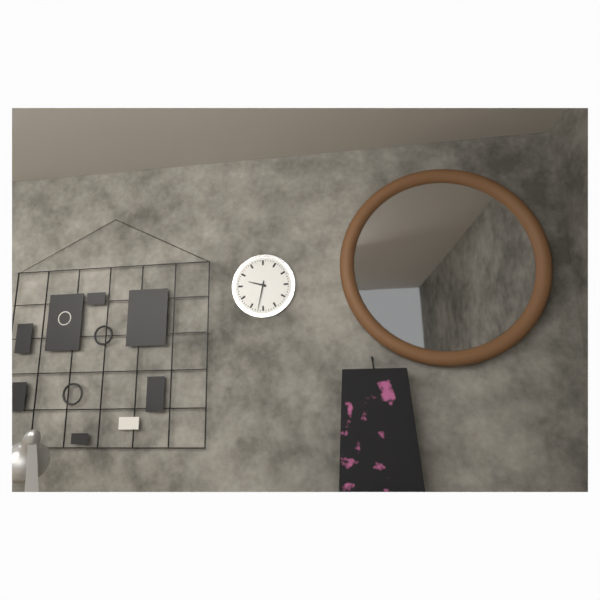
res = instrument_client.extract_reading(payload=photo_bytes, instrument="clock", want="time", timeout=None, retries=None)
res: 9:32
